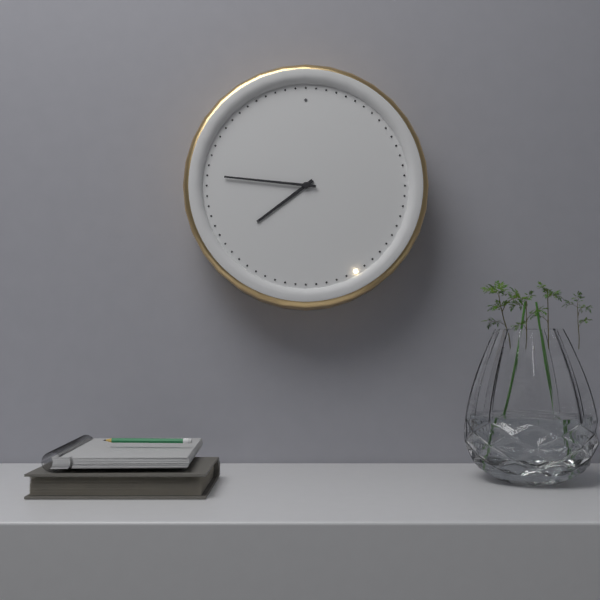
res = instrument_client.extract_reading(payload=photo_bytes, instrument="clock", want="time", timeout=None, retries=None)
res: 7:46
